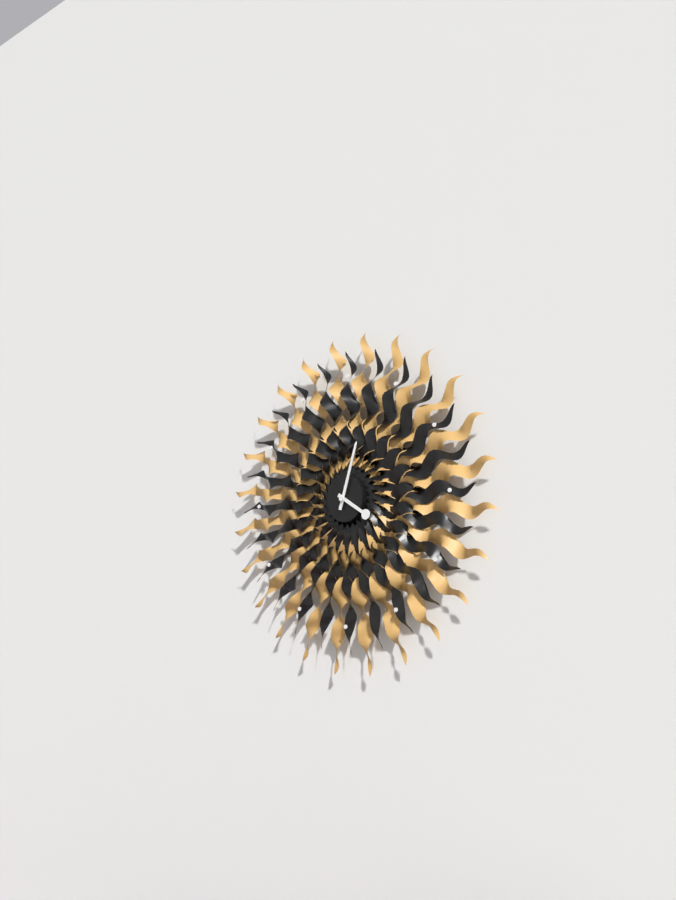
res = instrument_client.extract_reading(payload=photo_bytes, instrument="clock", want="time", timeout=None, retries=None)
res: 4:03
